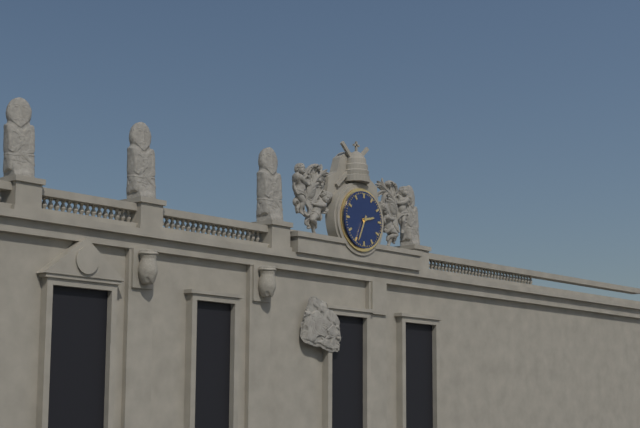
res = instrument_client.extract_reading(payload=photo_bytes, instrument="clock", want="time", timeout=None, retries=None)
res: 2:34
